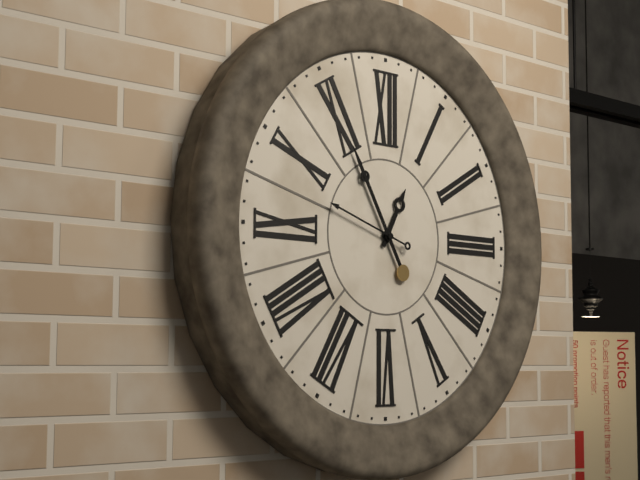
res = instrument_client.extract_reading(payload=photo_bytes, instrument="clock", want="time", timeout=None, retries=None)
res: 12:55:48
